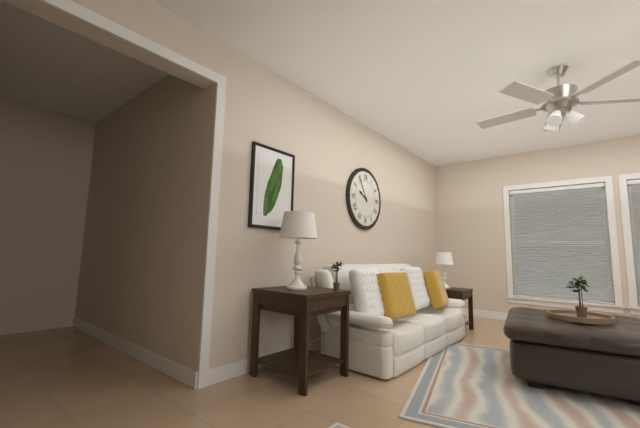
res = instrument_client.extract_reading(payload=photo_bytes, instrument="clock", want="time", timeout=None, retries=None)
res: 9:55
